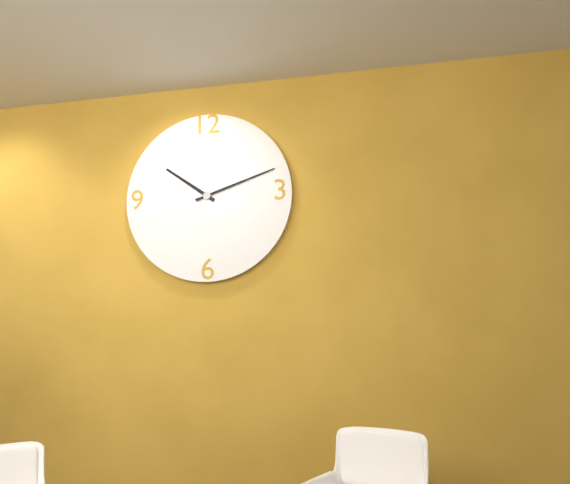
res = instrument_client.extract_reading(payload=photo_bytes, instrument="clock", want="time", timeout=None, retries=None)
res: 10:12
